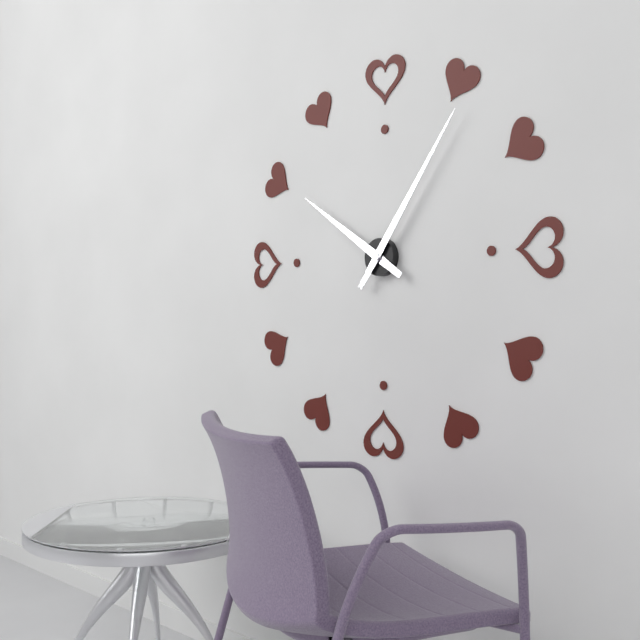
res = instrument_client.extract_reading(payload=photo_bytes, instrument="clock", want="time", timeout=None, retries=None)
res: 10:06
